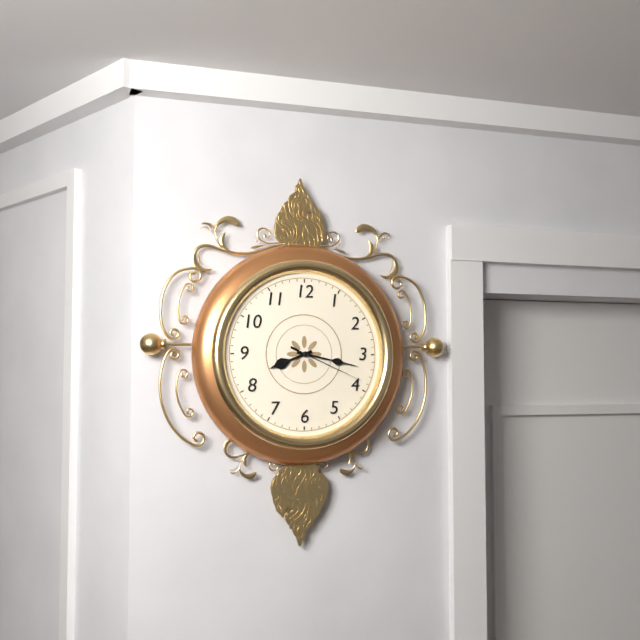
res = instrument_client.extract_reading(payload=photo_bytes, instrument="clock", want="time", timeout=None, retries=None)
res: 8:17:19
